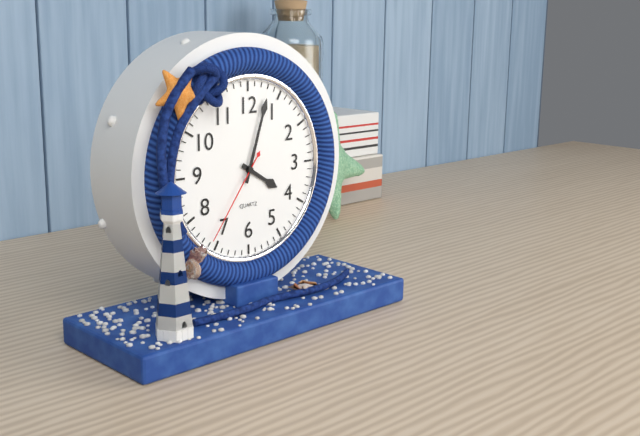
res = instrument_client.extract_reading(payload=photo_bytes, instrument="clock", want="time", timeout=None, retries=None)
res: 4:03:36
